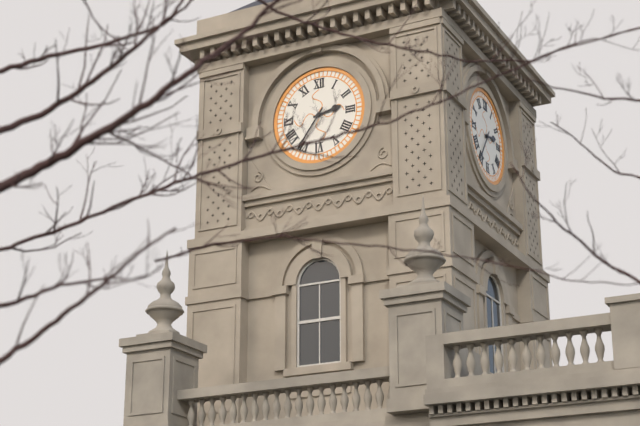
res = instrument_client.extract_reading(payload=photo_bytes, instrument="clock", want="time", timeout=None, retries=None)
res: 2:36
